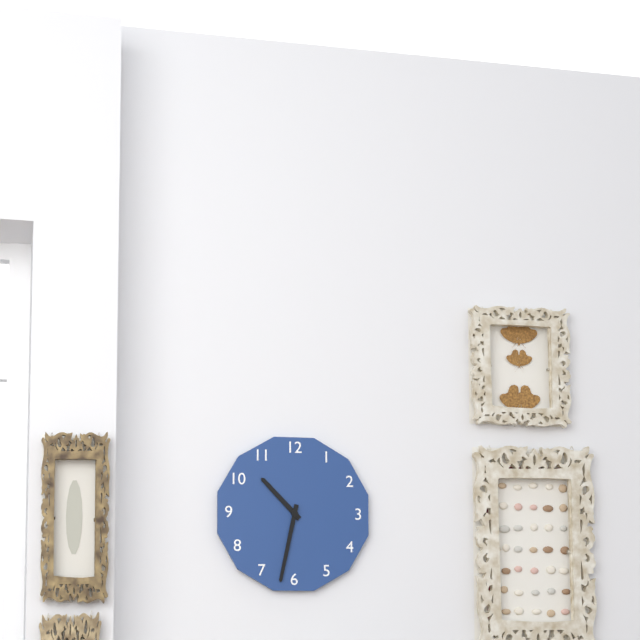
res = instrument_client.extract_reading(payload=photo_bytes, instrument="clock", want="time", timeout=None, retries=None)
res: 10:32
